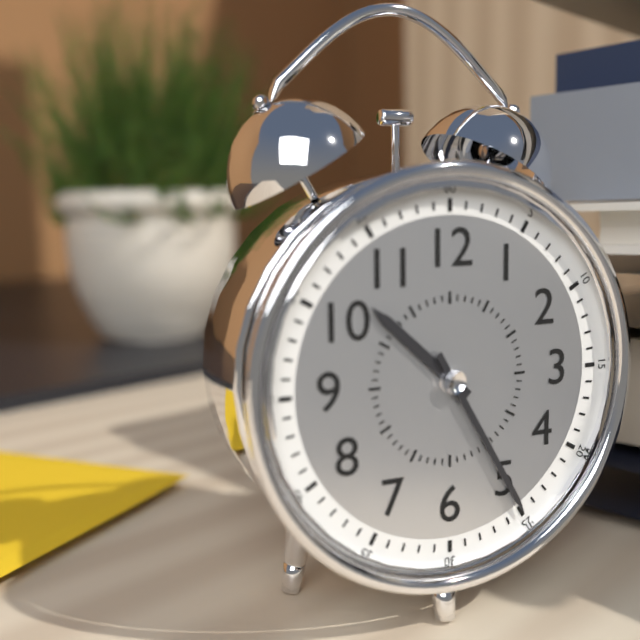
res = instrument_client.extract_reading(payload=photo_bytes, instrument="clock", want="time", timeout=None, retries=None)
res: 10:25
